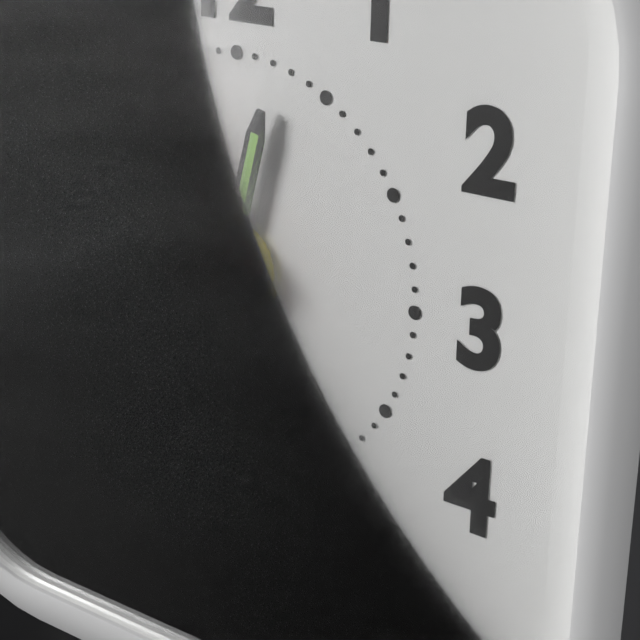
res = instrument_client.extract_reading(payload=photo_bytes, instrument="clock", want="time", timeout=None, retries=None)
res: 12:28:56
